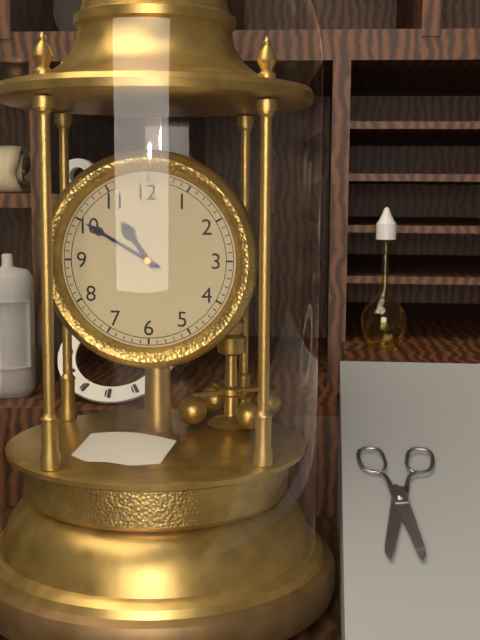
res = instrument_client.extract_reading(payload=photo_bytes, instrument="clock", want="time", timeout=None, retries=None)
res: 10:50
